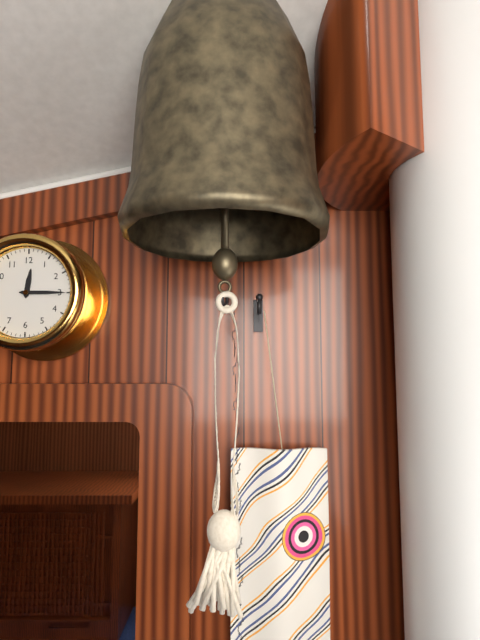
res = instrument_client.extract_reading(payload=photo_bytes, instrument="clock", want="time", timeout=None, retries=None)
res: 12:15
